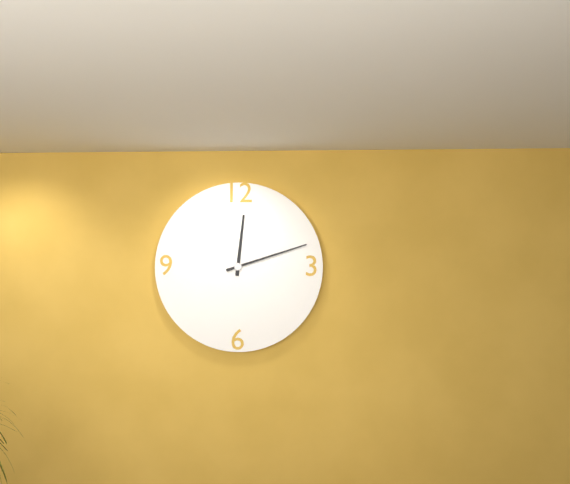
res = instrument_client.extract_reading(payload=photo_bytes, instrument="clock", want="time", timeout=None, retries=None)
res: 12:12
